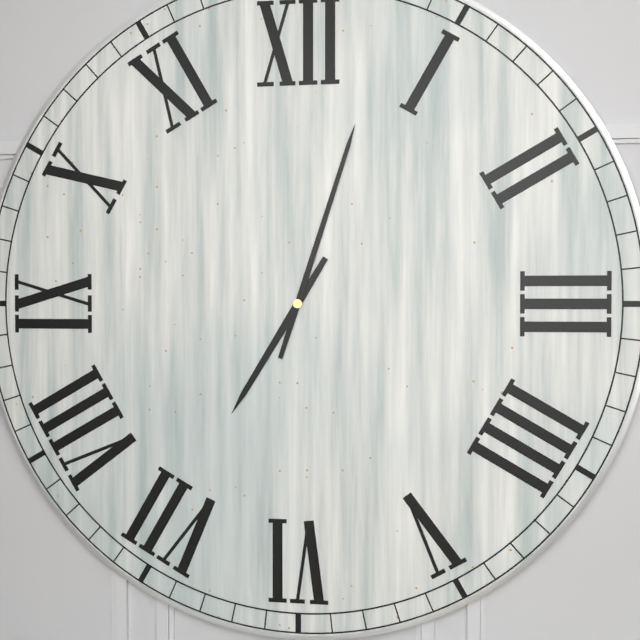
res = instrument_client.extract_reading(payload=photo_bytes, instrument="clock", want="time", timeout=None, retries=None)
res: 7:03
